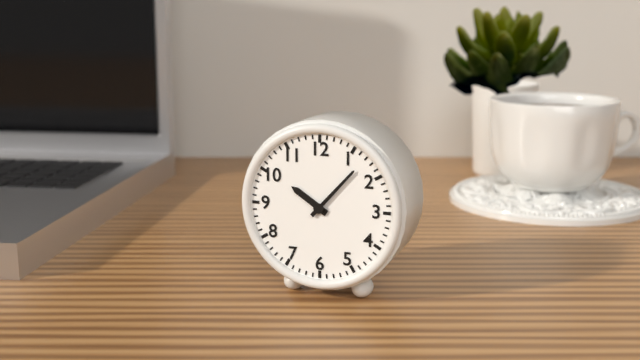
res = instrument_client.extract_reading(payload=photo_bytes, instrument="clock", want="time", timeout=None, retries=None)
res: 10:07
